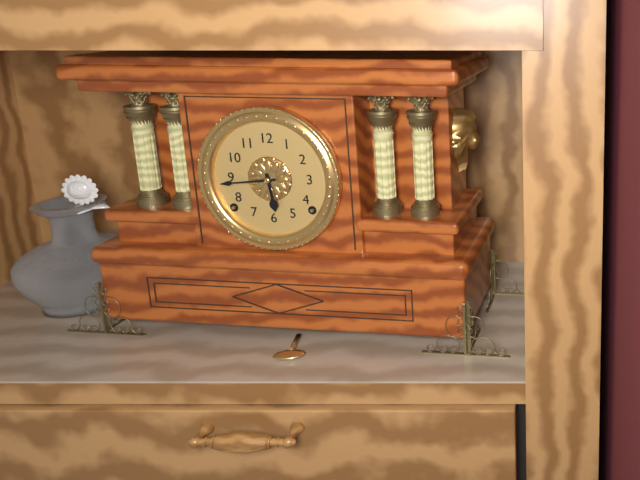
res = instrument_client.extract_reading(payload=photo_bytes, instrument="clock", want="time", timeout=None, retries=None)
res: 5:44
